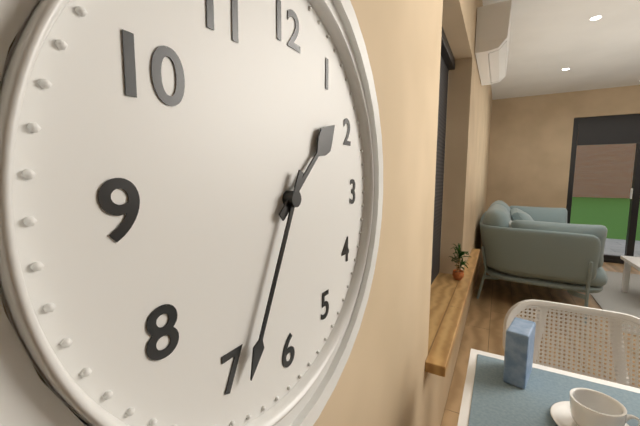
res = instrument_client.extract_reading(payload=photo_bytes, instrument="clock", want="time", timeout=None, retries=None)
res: 1:34
